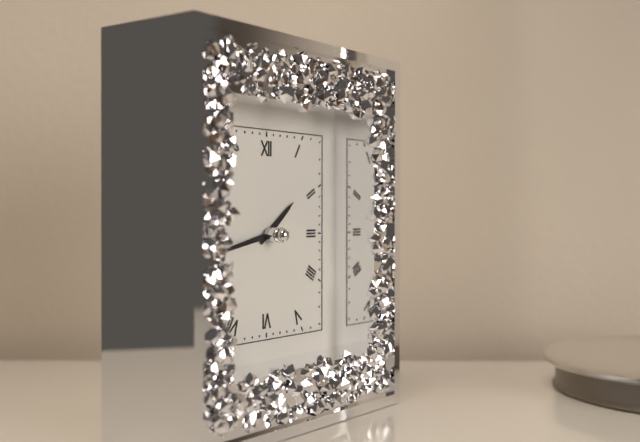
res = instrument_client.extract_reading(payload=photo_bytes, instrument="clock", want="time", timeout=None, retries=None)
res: 1:43
